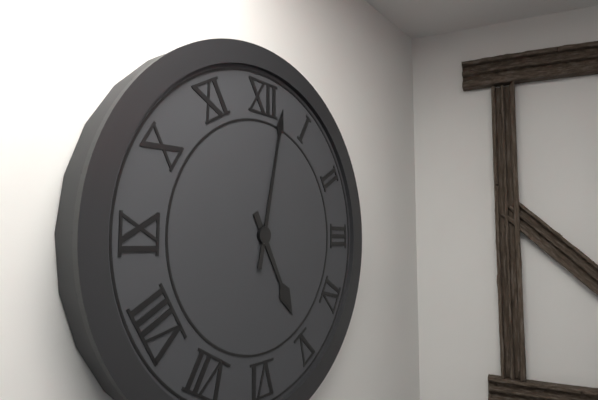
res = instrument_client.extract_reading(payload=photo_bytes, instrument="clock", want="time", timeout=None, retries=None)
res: 5:02
